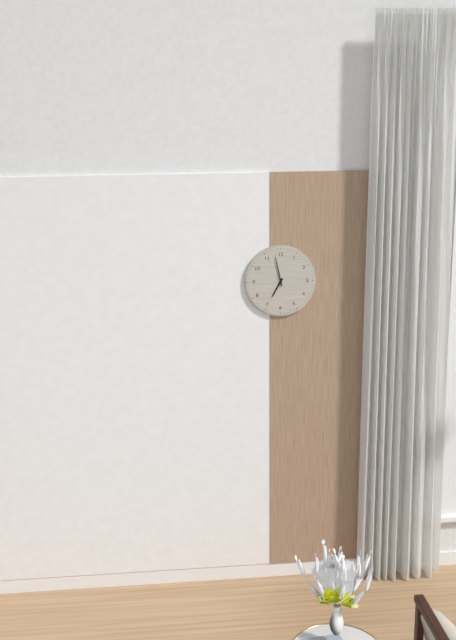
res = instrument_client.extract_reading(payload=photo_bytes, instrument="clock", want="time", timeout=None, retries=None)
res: 6:58
